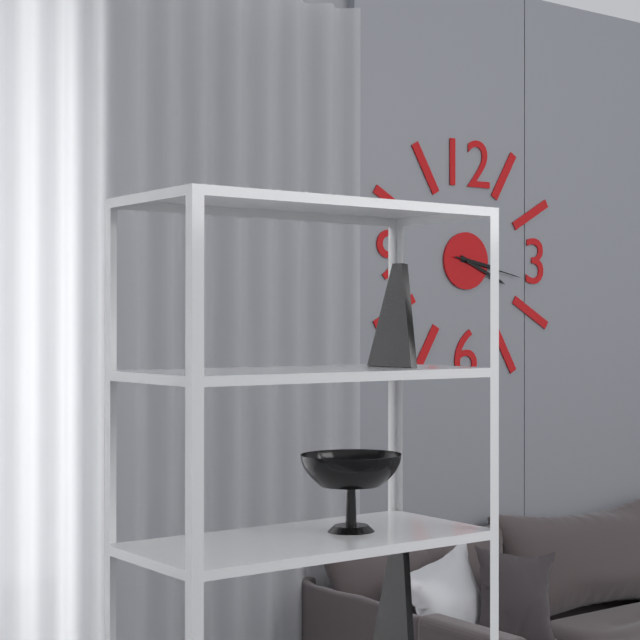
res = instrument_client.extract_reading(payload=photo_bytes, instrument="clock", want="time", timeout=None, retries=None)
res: 3:19:17
